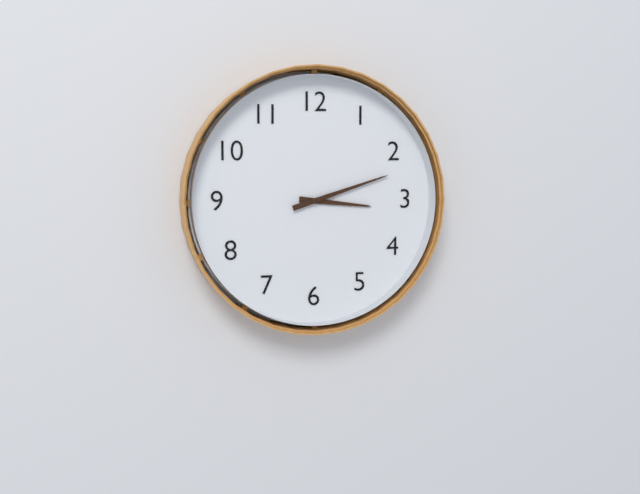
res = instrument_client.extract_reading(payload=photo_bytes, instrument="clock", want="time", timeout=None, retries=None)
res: 3:12
